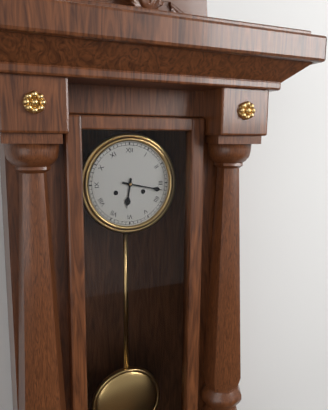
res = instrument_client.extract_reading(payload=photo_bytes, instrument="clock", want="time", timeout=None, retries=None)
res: 6:17
